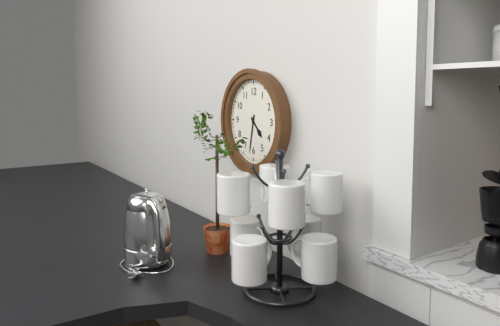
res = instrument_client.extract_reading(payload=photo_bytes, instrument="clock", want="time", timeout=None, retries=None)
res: 4:32
